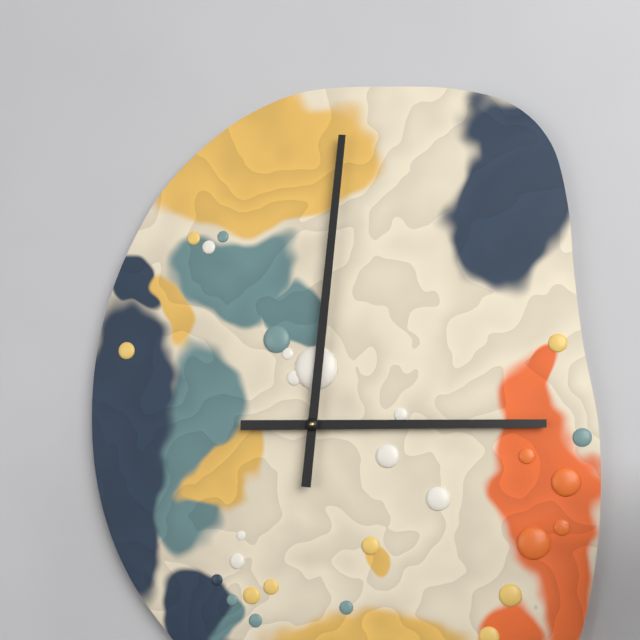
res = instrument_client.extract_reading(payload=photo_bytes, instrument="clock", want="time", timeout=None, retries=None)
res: 3:01
